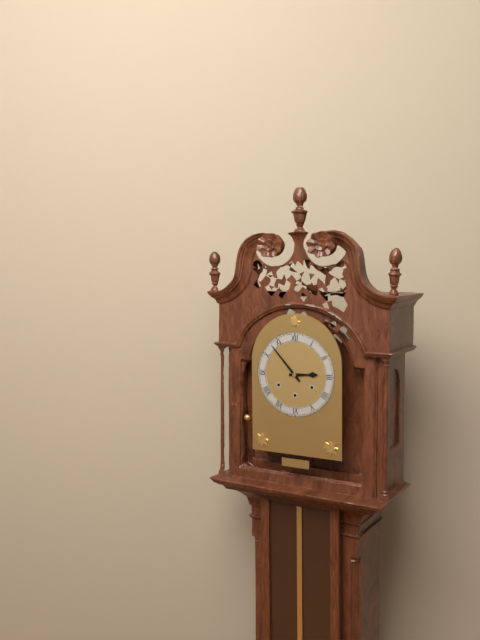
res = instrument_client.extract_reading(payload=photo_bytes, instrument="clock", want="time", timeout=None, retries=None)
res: 2:53
